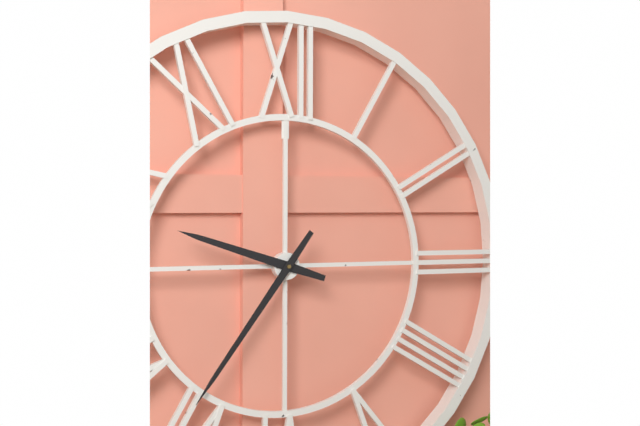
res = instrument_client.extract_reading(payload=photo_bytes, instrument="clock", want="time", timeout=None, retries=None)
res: 9:36
